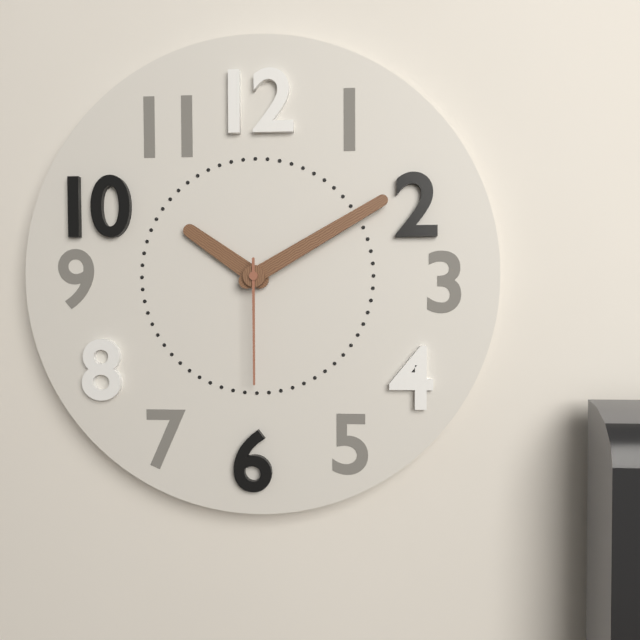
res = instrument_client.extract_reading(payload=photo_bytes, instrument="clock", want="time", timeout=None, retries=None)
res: 10:10:30
